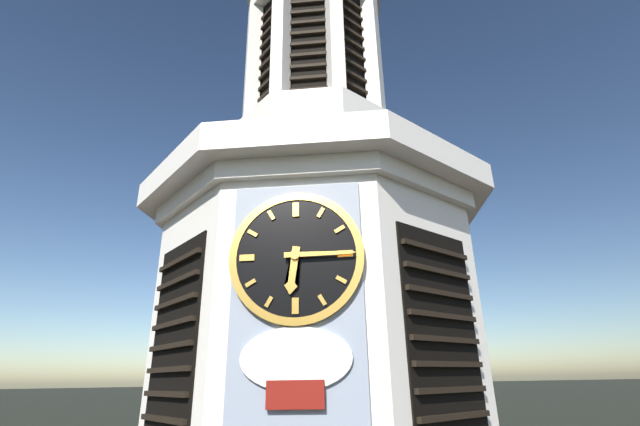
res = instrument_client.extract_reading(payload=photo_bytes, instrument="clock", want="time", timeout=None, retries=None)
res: 6:15
